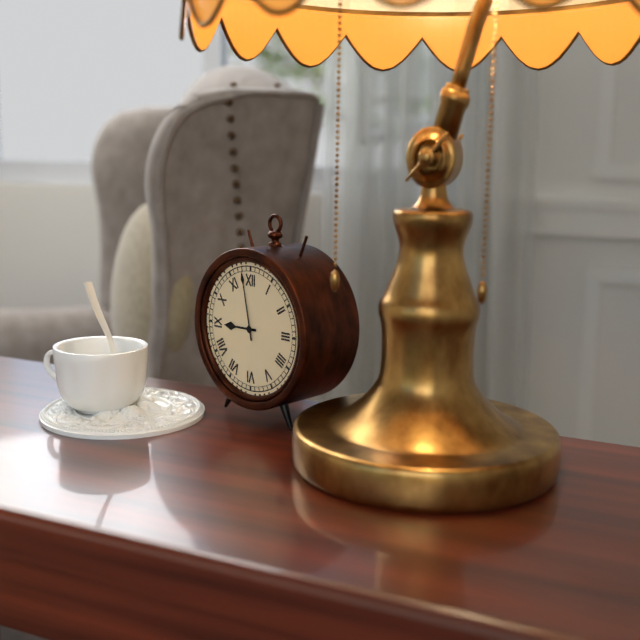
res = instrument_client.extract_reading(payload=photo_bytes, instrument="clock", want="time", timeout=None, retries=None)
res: 8:58
